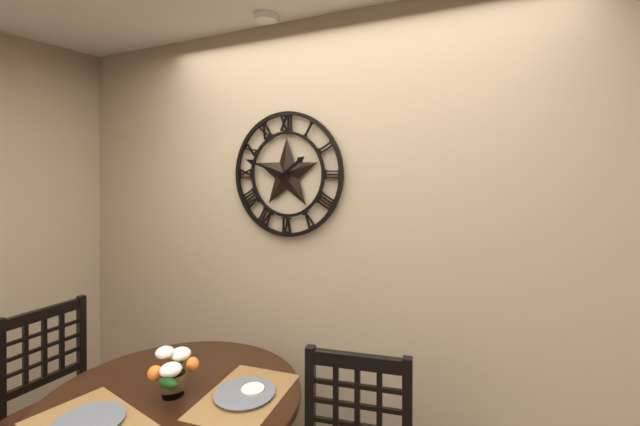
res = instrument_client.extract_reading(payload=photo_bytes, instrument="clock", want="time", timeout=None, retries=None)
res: 1:48
